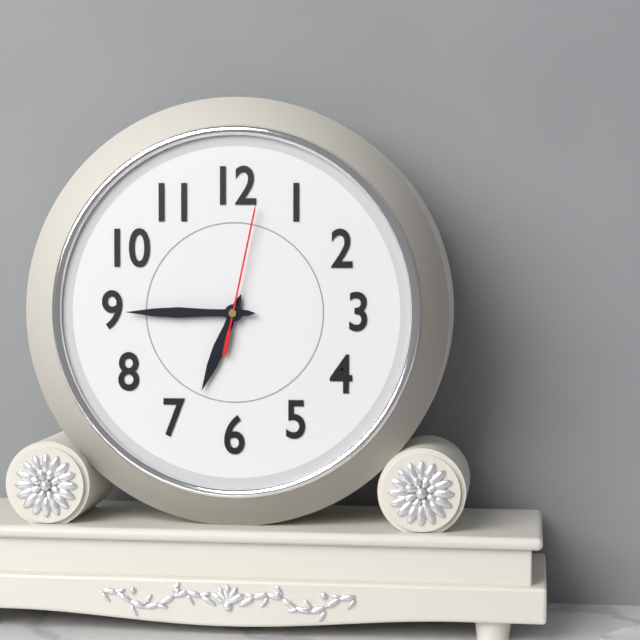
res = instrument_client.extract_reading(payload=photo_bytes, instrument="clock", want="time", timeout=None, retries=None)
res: 6:45:02
